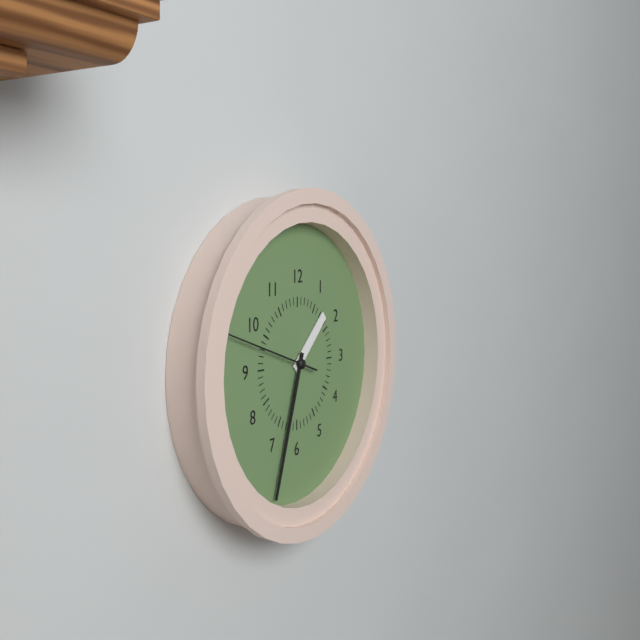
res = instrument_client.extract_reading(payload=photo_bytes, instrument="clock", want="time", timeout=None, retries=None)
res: 1:33:48
